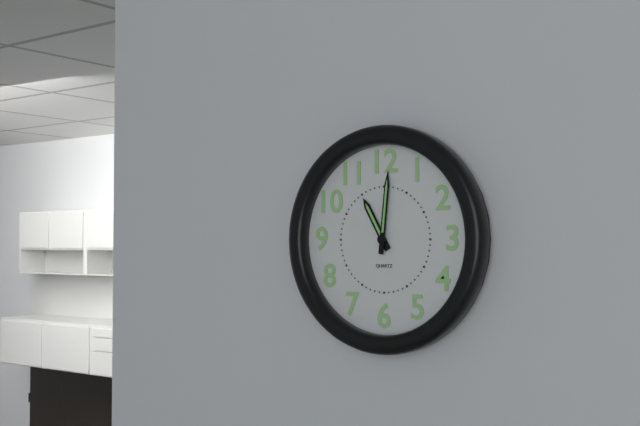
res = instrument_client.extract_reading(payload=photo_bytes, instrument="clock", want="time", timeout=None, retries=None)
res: 11:01
